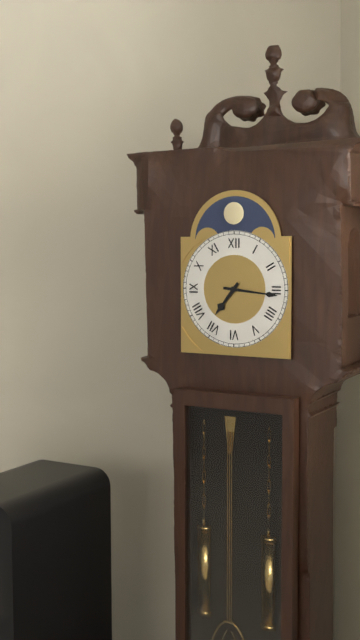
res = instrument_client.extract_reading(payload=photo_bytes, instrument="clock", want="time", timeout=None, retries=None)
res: 7:16
